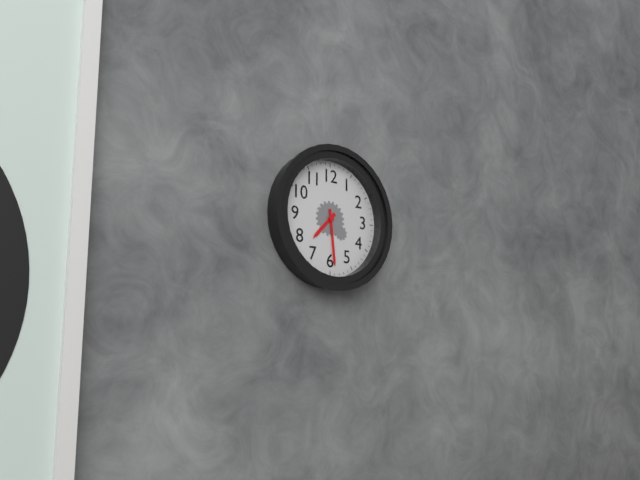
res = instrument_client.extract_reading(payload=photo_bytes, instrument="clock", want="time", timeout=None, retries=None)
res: 7:29
